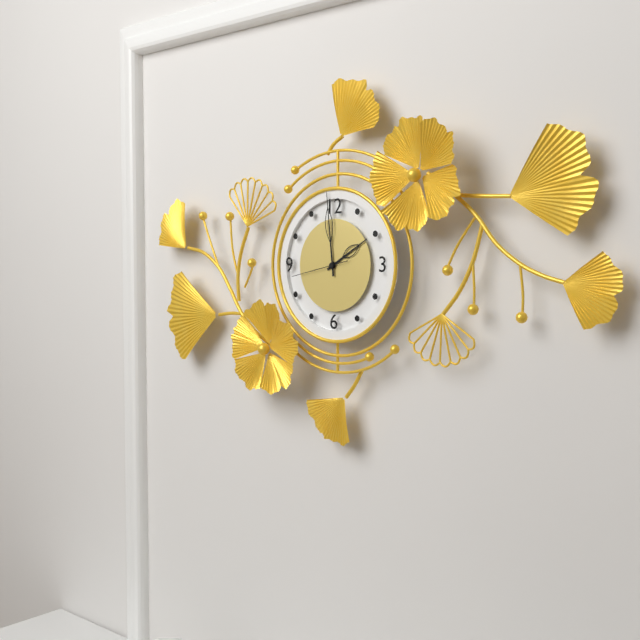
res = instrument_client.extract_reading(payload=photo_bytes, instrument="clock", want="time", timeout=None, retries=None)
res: 1:59:43
